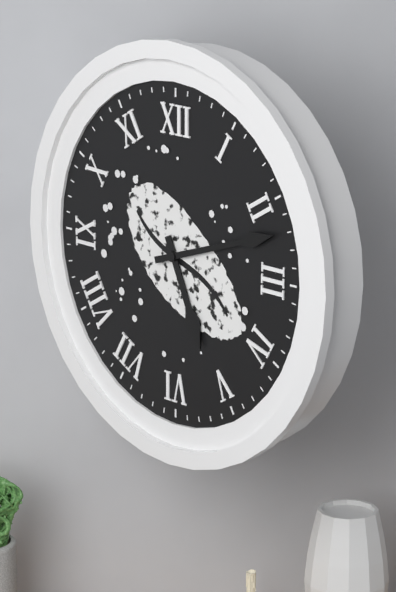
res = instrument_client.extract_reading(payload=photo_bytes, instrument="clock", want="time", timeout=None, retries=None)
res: 5:12
